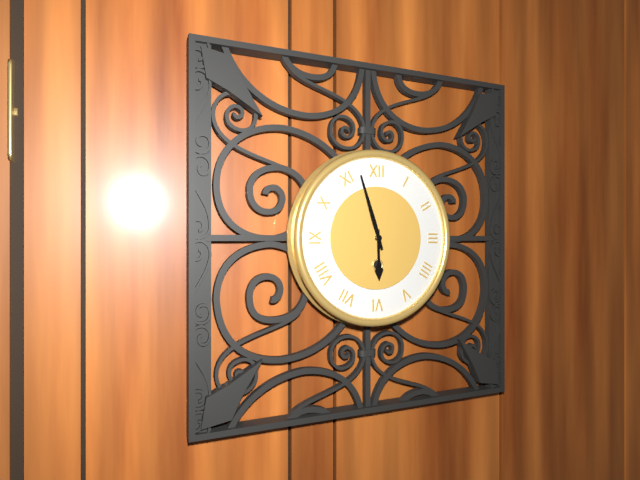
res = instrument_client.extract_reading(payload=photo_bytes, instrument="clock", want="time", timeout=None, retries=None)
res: 5:57
